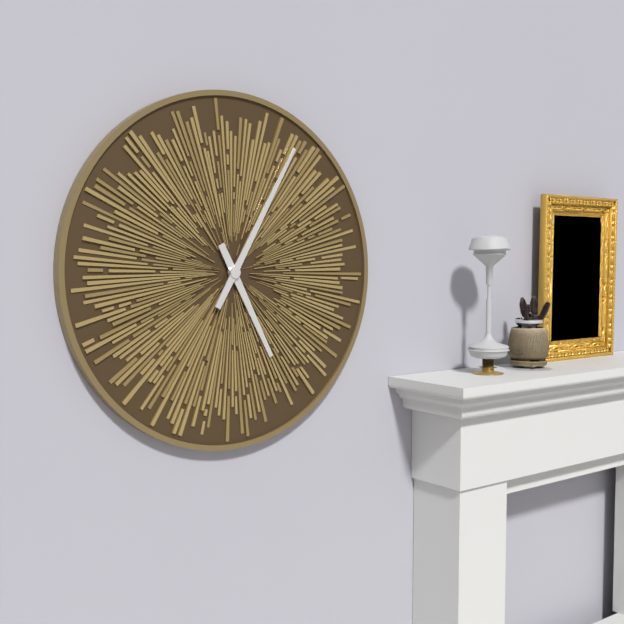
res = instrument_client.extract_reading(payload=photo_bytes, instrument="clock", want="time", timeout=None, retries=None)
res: 5:05
